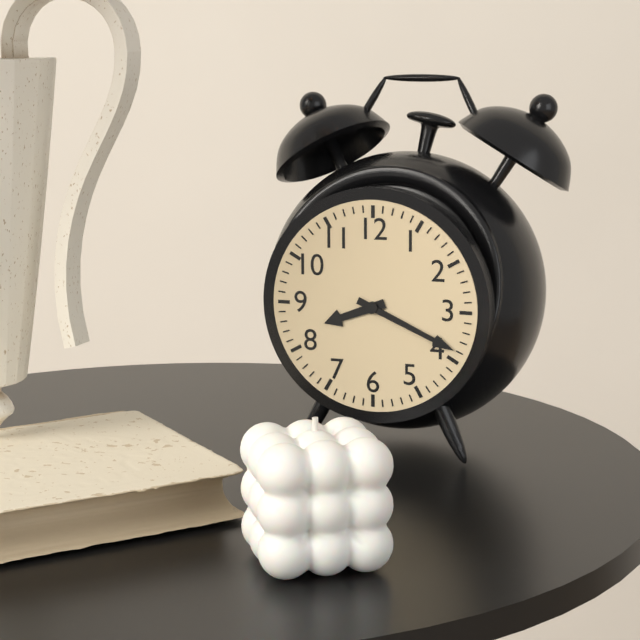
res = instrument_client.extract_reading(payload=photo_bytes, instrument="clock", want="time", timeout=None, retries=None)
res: 8:19
